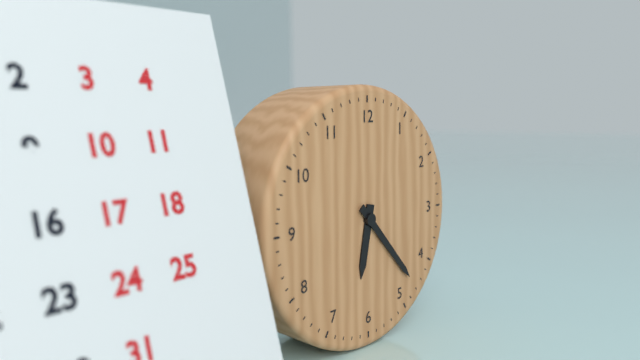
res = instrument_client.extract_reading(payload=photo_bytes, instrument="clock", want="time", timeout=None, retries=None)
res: 6:23
